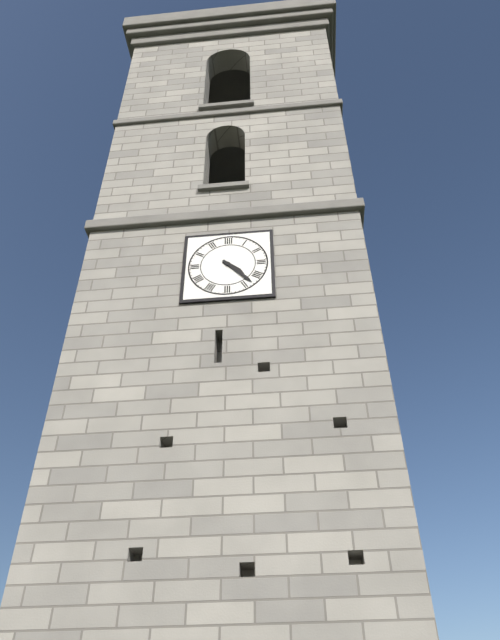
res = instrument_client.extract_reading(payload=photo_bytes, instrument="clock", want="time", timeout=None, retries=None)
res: 4:23
